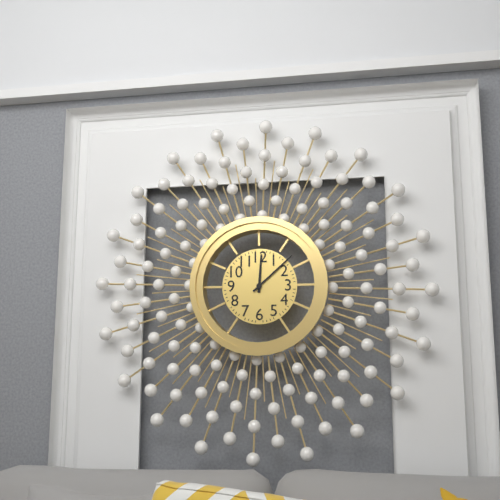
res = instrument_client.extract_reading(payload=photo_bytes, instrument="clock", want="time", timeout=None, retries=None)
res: 12:08
